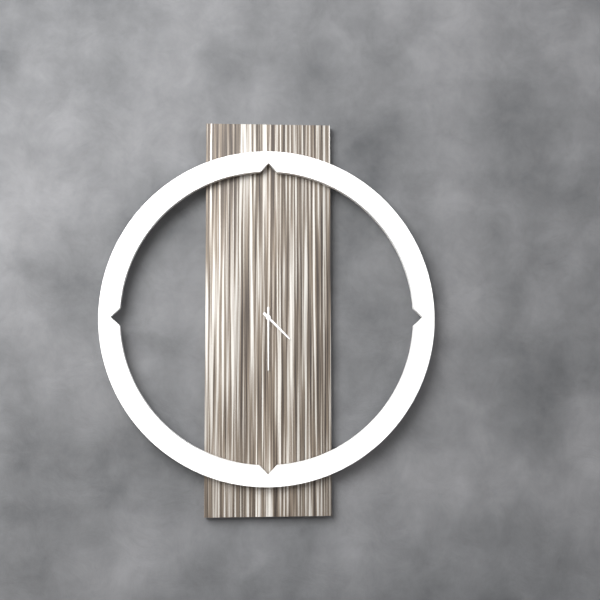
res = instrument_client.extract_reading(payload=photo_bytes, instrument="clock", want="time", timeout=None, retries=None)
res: 4:30
